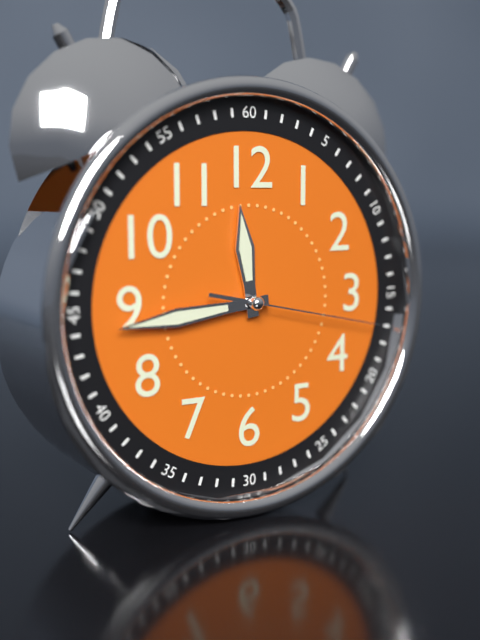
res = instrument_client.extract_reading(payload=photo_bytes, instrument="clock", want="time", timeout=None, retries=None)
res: 11:44:17
